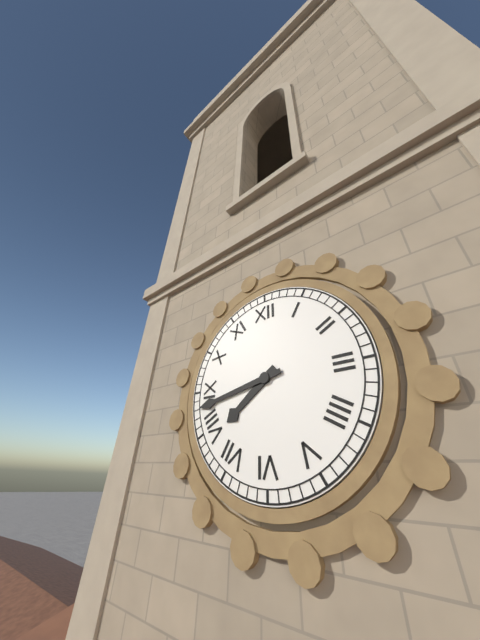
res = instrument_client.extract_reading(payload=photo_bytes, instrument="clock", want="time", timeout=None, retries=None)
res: 7:43
